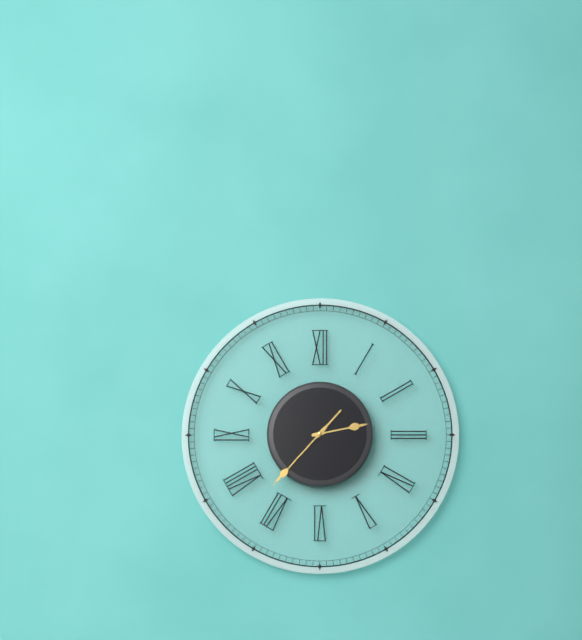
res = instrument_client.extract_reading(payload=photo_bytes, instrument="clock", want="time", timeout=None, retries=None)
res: 2:37:37
